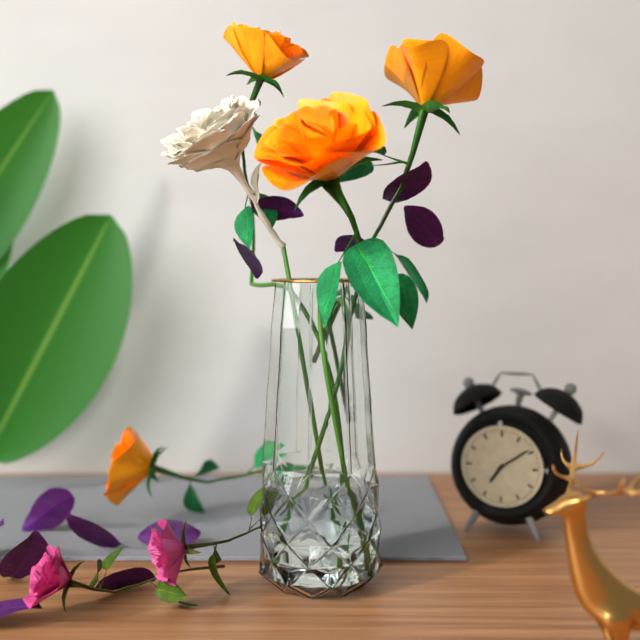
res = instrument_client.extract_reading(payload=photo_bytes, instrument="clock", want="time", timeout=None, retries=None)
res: 7:09
